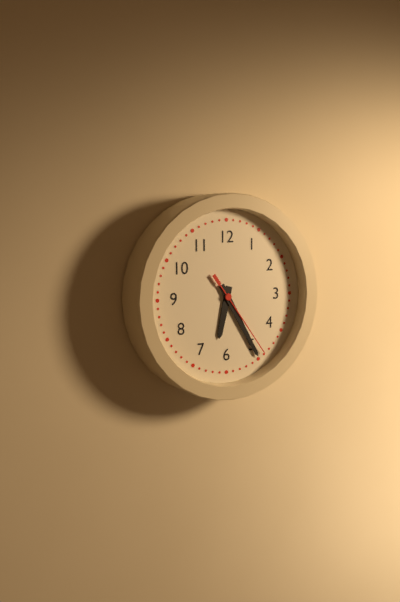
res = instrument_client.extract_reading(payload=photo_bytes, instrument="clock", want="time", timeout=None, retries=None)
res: 6:25:24
